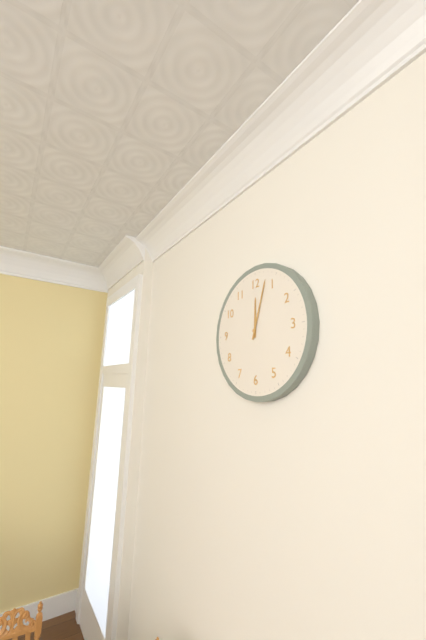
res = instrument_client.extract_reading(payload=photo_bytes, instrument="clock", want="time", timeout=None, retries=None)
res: 12:03
